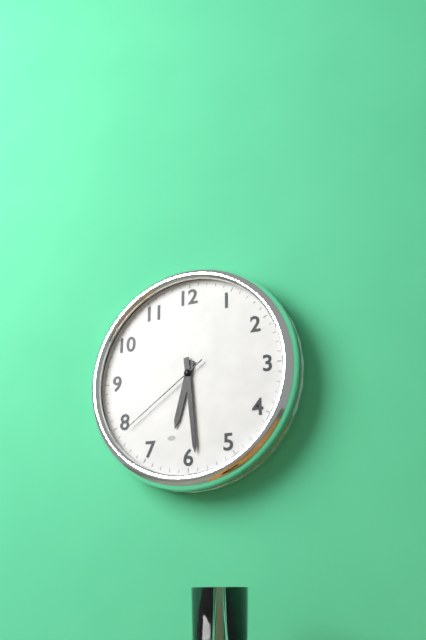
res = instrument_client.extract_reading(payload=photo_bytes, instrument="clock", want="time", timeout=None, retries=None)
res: 6:29:39
